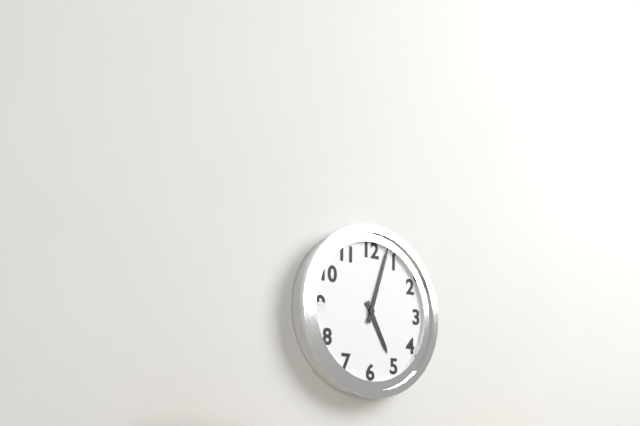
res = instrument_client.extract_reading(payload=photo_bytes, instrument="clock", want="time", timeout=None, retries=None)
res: 5:03
